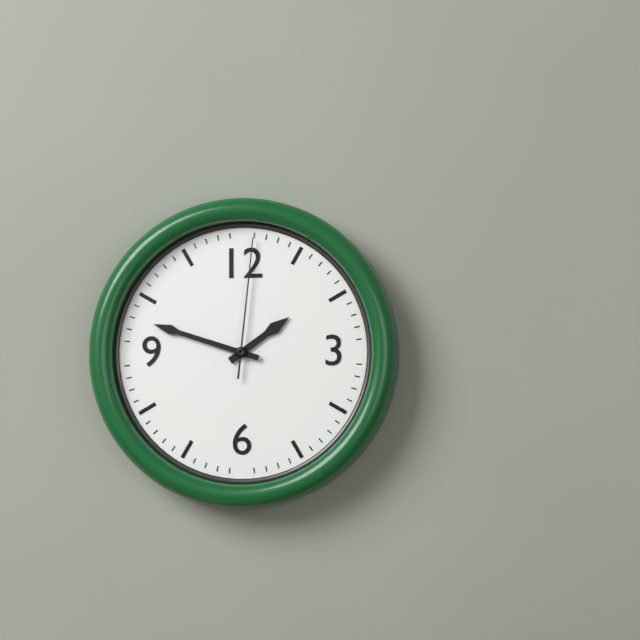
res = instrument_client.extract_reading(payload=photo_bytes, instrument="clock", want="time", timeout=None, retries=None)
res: 1:48:01
